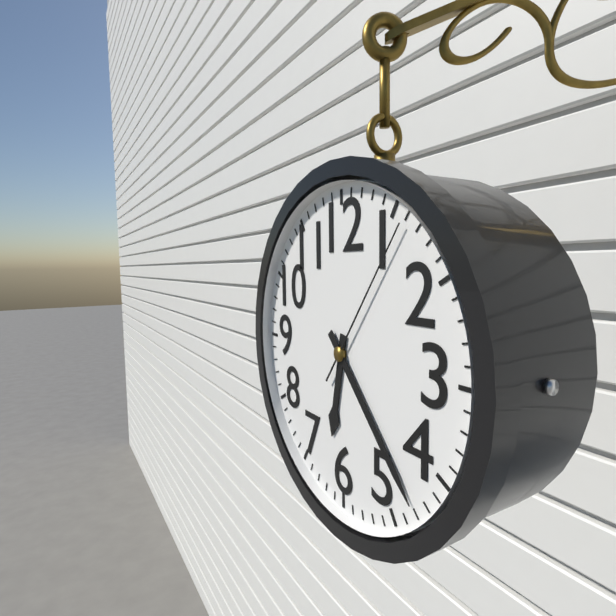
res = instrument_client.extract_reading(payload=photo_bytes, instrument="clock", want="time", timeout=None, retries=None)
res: 6:23:06
